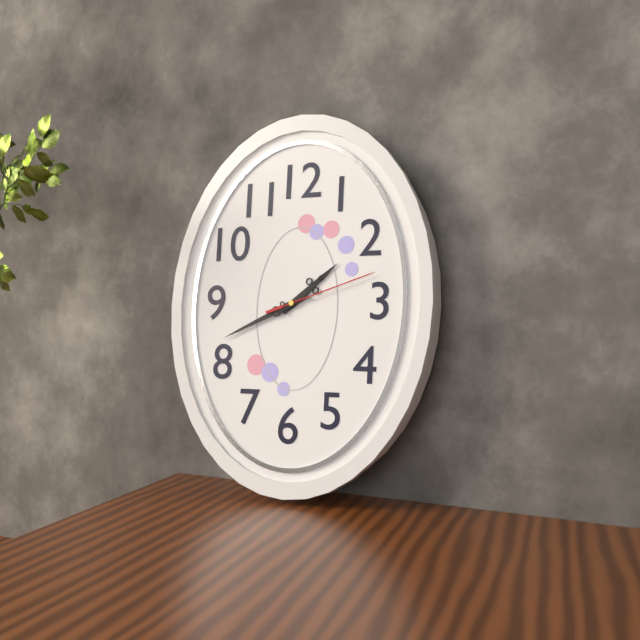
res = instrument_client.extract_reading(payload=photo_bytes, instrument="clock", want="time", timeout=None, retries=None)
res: 1:41:12
